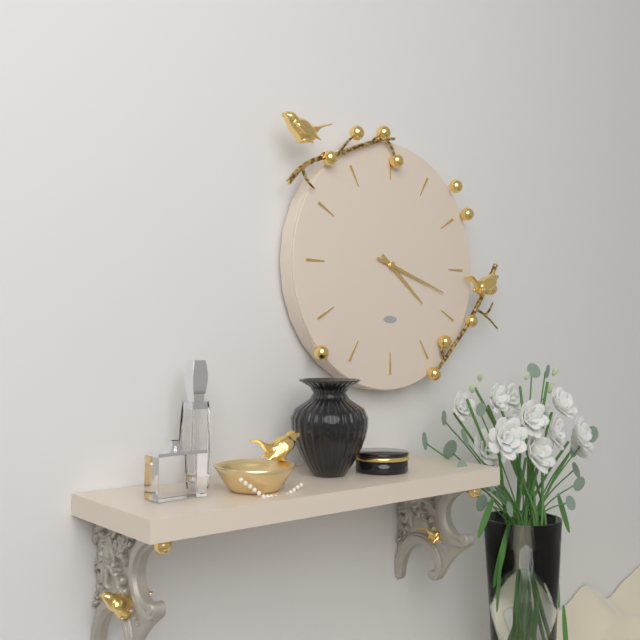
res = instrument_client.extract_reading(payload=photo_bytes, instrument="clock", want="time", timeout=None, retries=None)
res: 4:18
